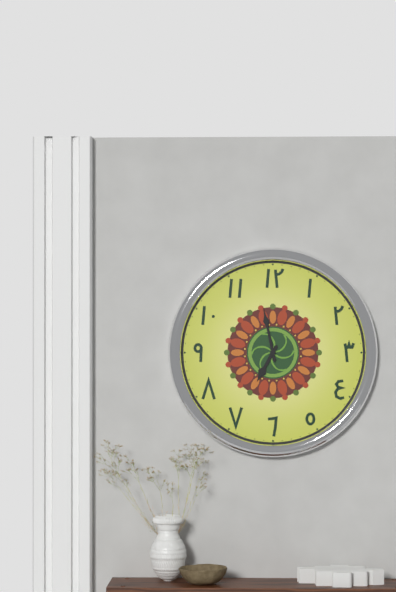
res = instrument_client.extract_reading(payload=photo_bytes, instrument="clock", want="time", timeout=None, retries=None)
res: 6:58
